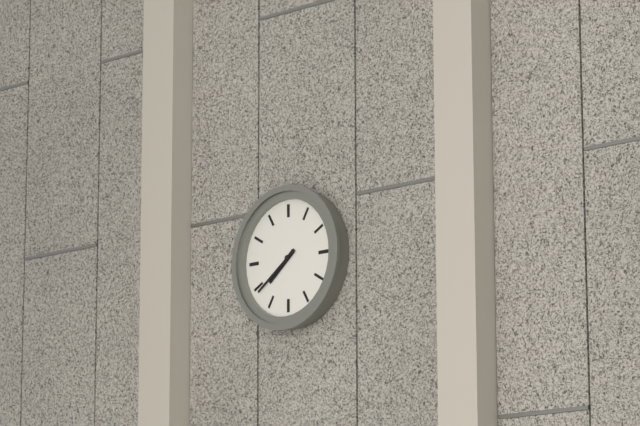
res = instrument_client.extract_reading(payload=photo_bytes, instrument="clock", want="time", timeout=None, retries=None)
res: 7:39
